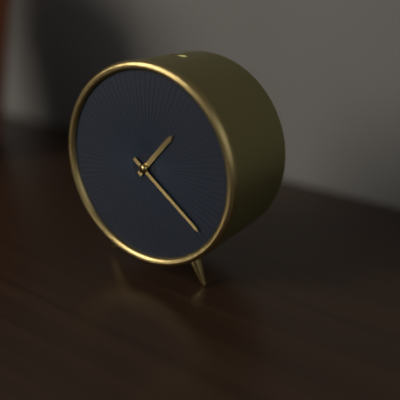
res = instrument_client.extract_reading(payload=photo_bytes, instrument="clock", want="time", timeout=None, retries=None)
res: 1:21
